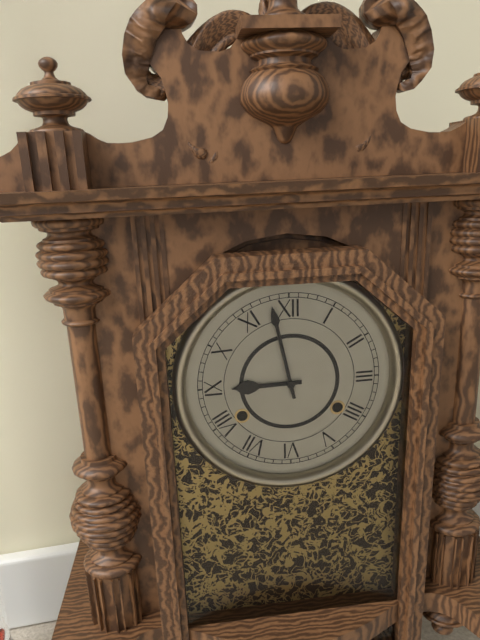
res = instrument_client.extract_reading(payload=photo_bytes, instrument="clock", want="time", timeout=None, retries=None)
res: 8:58
